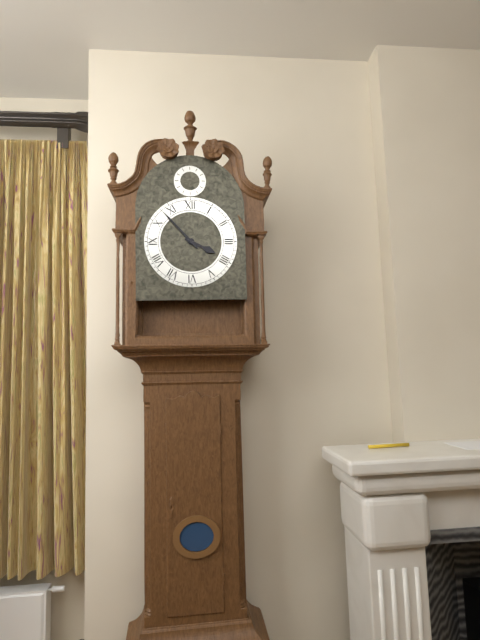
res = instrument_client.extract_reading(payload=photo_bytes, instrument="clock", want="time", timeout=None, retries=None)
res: 3:53
